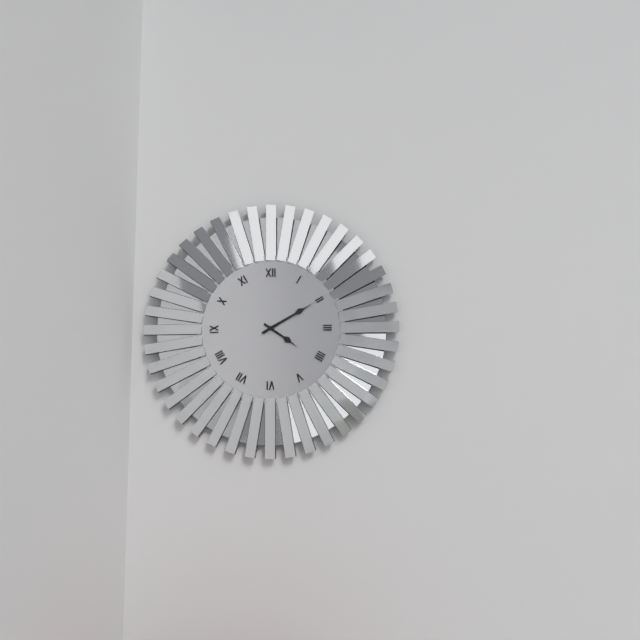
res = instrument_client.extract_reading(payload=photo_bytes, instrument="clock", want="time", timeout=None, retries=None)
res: 4:10
